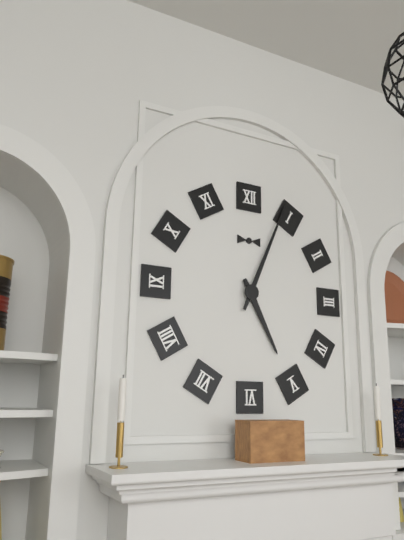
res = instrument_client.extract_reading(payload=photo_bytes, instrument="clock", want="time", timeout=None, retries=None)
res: 5:04
